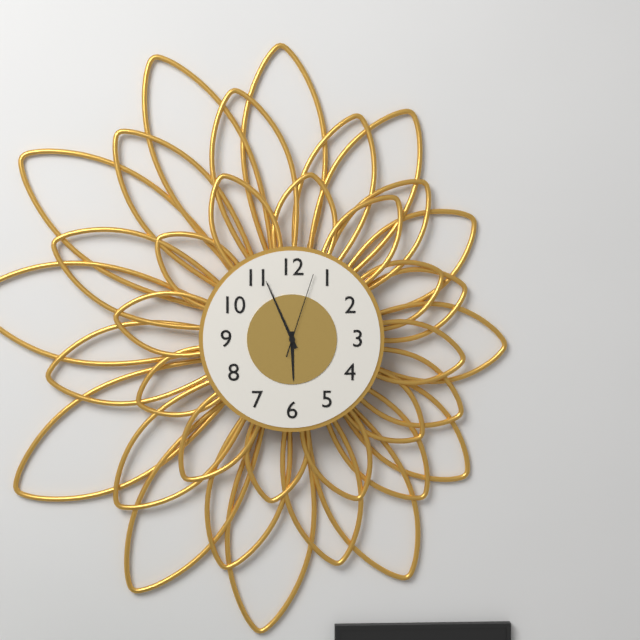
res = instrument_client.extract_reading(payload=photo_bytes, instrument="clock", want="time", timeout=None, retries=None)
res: 5:56:03
